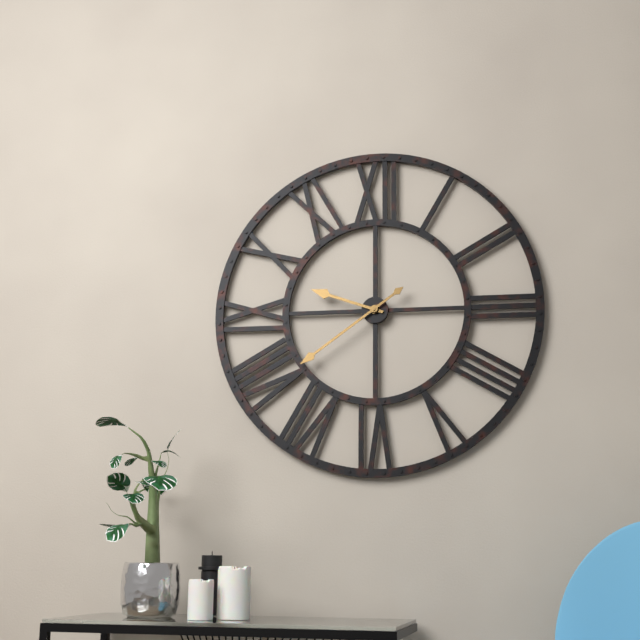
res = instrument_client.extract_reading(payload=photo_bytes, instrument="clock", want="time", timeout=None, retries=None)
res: 9:39
